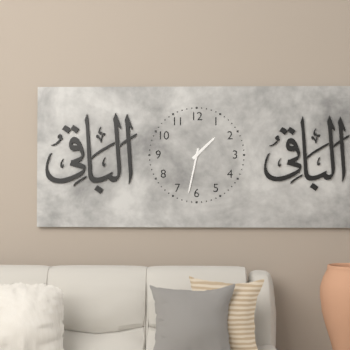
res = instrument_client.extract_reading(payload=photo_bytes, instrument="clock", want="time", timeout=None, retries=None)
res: 1:32
